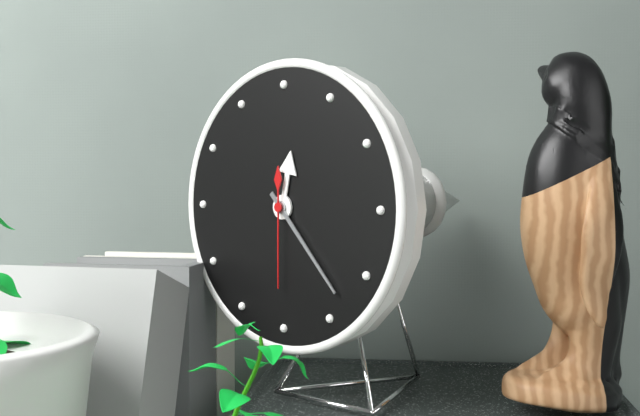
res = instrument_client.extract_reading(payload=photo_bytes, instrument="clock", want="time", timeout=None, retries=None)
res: 12:23:30
